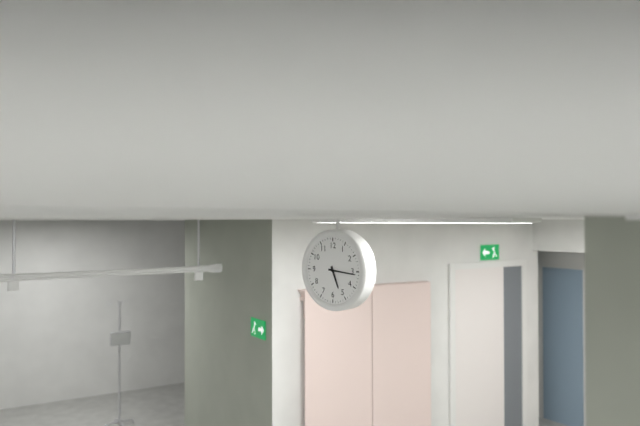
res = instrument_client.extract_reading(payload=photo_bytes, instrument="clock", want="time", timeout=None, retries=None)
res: 5:16
